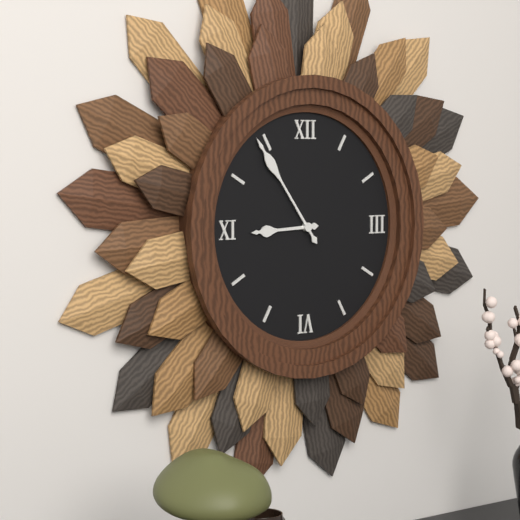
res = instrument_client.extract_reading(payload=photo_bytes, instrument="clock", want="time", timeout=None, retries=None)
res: 8:54
